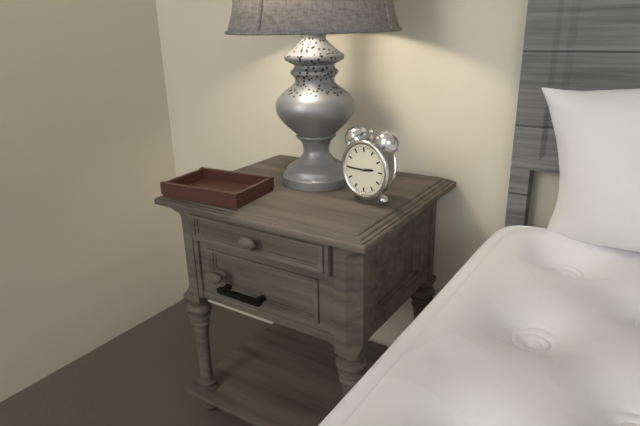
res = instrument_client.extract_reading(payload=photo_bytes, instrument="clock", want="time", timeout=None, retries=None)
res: 2:45
